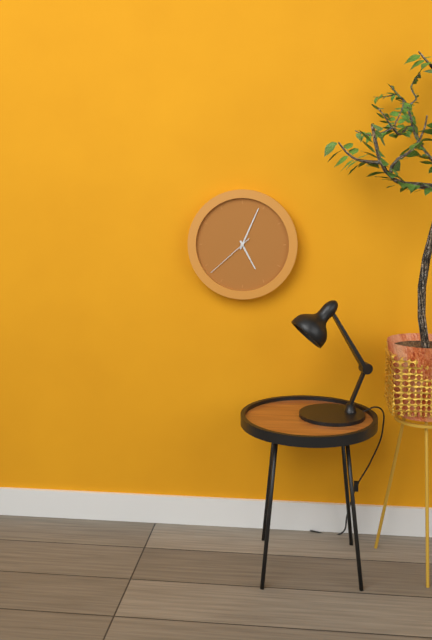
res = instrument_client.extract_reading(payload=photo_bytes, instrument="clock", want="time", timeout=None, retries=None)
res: 5:04:38
